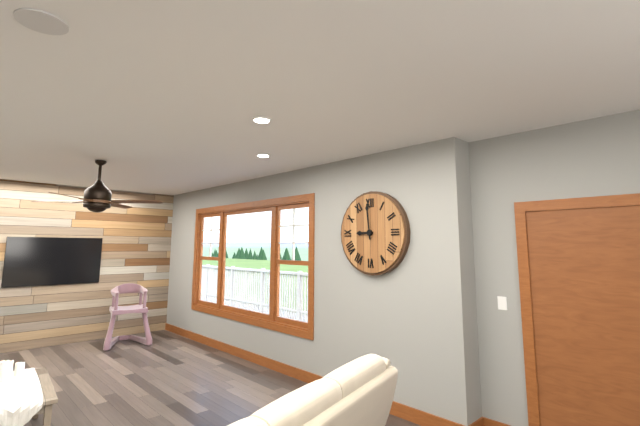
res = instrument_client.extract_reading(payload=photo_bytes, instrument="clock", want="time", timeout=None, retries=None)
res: 8:59
